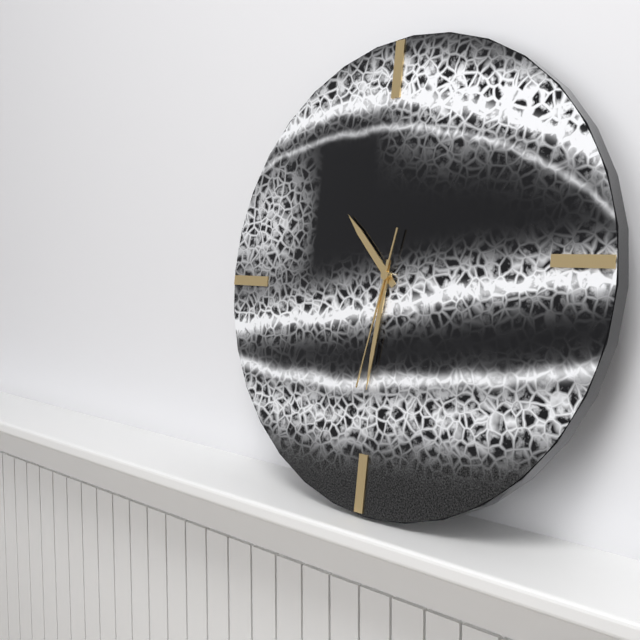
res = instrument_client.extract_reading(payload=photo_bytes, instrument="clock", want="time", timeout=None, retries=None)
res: 10:31:32
